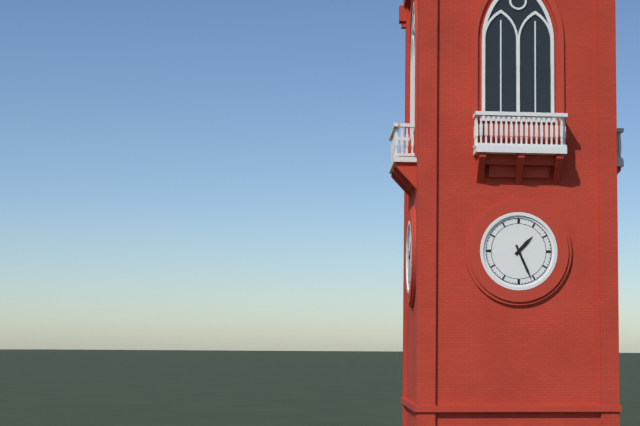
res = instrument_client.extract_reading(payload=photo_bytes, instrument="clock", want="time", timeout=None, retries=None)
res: 1:26
